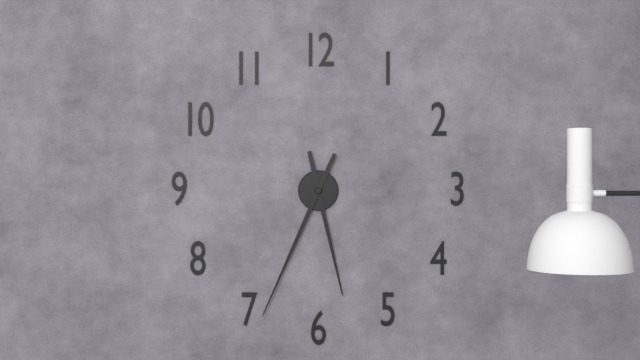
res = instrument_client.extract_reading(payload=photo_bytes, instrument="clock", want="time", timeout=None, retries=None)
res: 5:34
